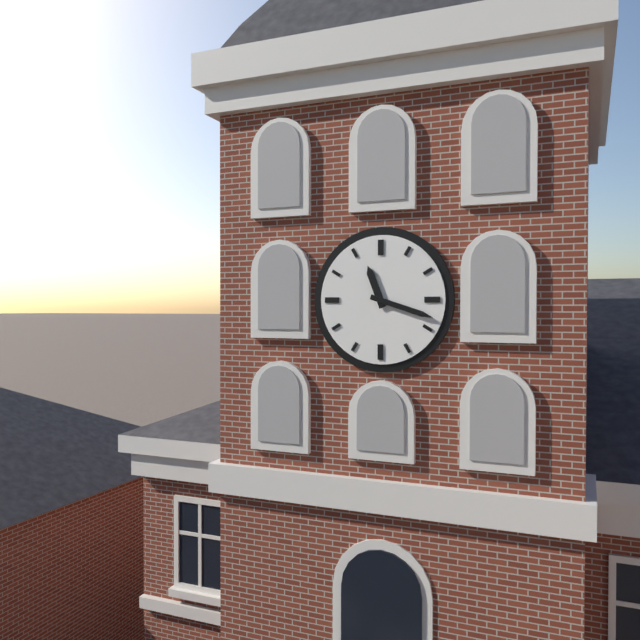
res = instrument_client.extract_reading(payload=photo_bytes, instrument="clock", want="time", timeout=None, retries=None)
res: 11:18
